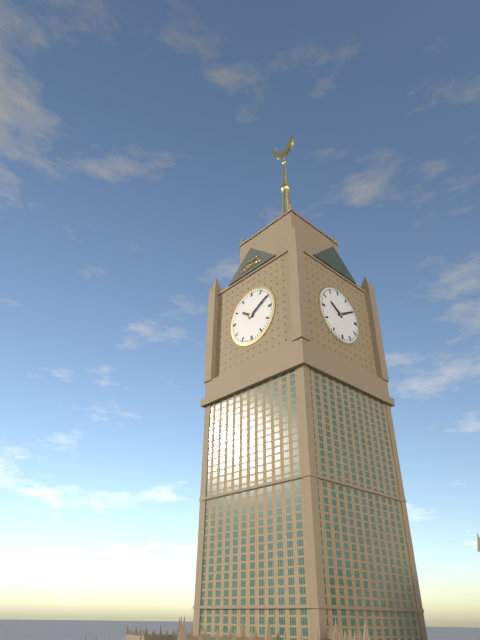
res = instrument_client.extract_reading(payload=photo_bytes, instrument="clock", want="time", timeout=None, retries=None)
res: 10:10
